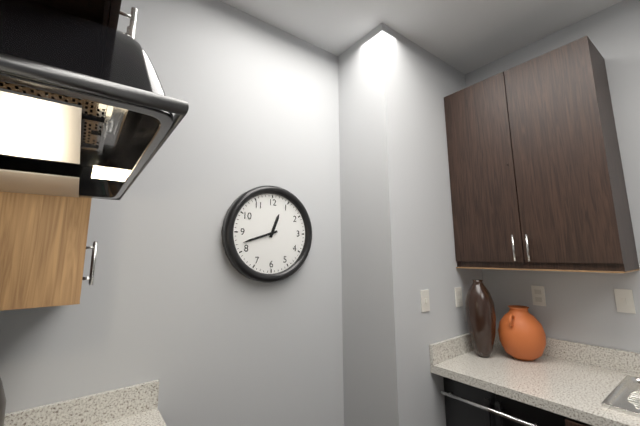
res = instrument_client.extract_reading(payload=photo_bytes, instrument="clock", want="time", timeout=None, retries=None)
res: 12:42
